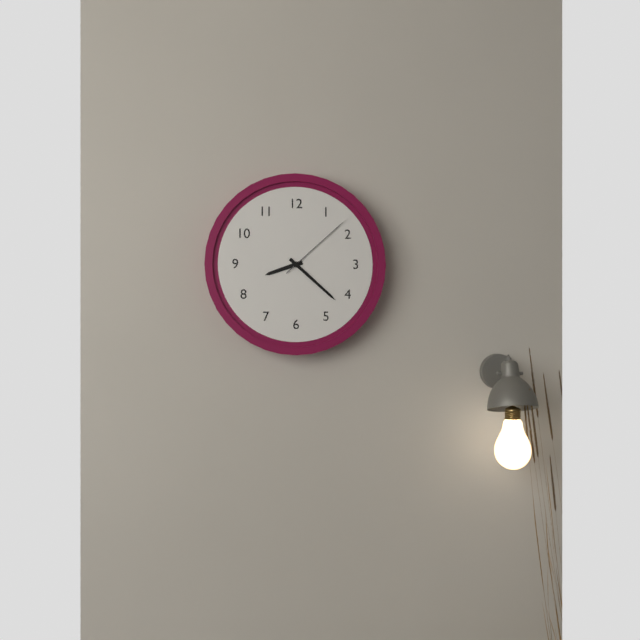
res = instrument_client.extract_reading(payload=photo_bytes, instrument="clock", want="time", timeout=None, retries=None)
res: 8:22:08
